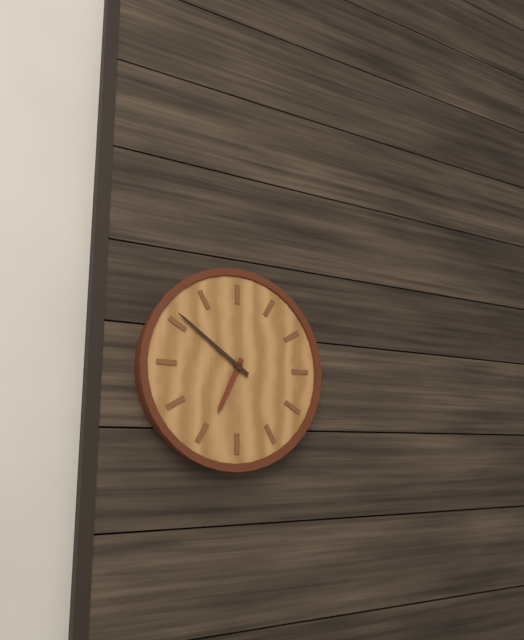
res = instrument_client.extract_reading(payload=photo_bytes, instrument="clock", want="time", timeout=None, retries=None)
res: 6:51
